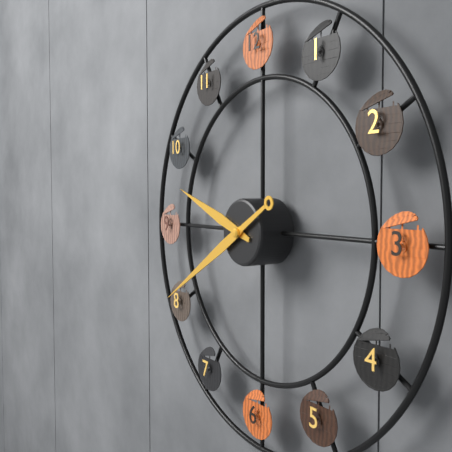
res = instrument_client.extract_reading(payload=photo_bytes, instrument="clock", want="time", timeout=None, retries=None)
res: 9:40
